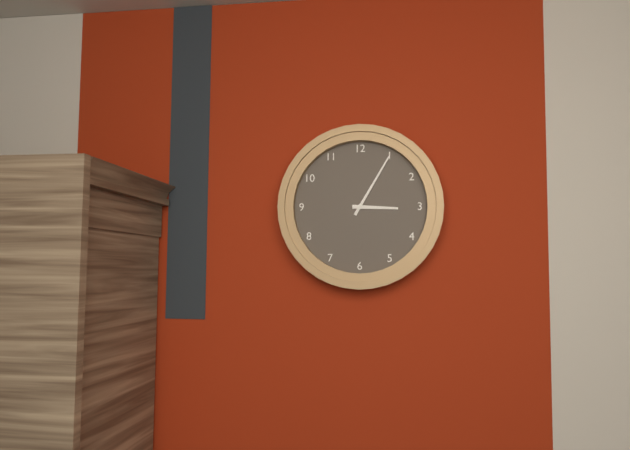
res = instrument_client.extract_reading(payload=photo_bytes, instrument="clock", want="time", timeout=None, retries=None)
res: 3:05
